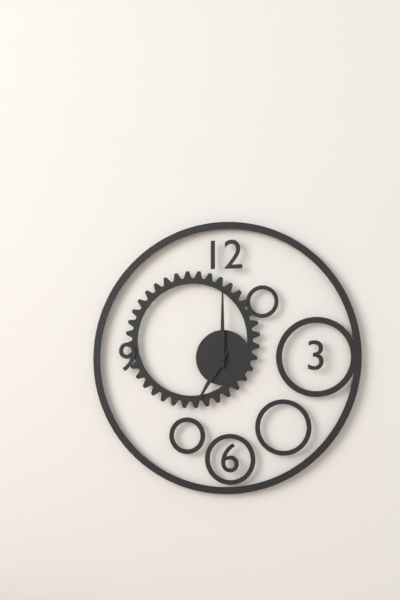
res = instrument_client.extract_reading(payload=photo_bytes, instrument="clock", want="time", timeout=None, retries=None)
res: 7:00
